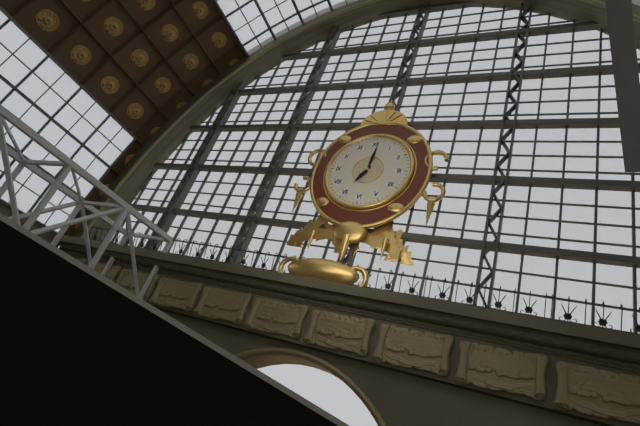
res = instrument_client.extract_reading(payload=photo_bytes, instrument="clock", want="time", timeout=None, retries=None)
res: 7:01
